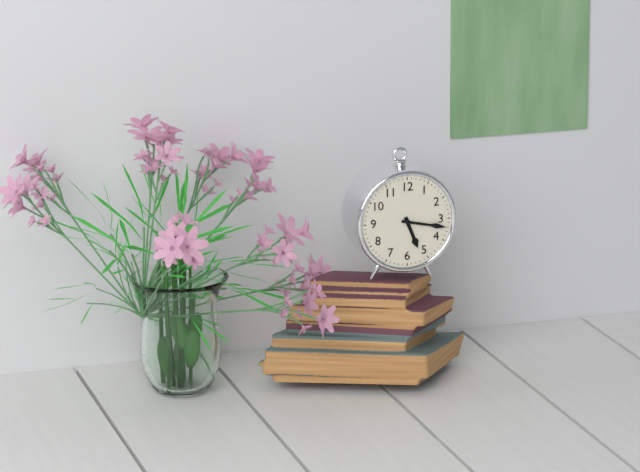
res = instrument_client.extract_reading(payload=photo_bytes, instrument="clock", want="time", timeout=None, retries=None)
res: 5:17
